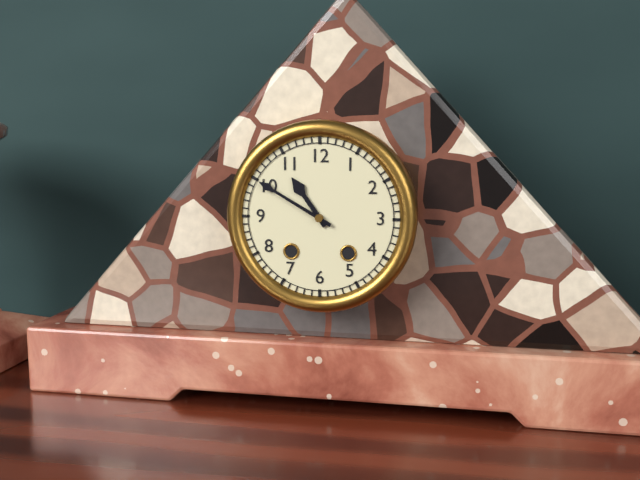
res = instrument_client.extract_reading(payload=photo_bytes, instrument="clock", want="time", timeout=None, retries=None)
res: 10:50
